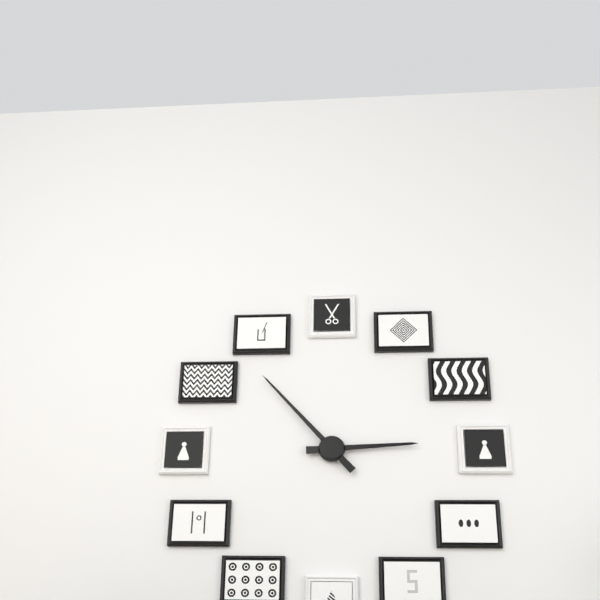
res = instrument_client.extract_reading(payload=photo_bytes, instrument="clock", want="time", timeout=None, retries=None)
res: 2:53
